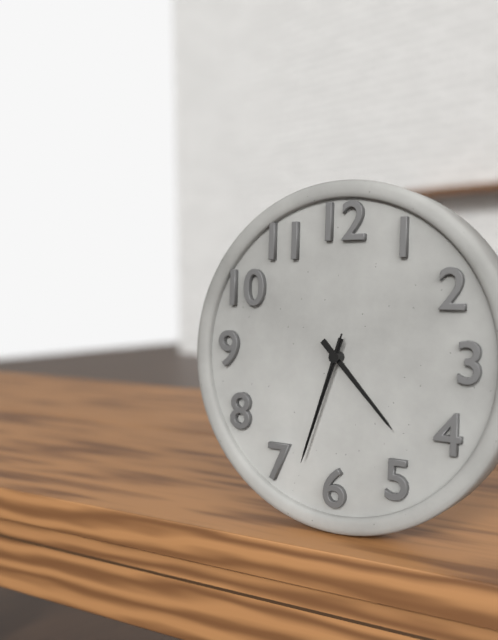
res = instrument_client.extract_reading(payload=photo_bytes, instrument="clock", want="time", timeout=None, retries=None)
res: 4:33:33
